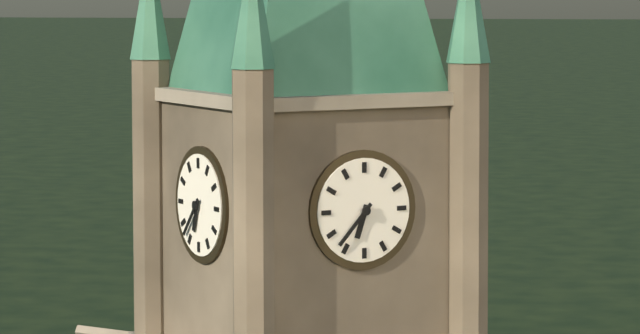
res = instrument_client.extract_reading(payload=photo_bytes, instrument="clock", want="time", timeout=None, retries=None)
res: 6:37
